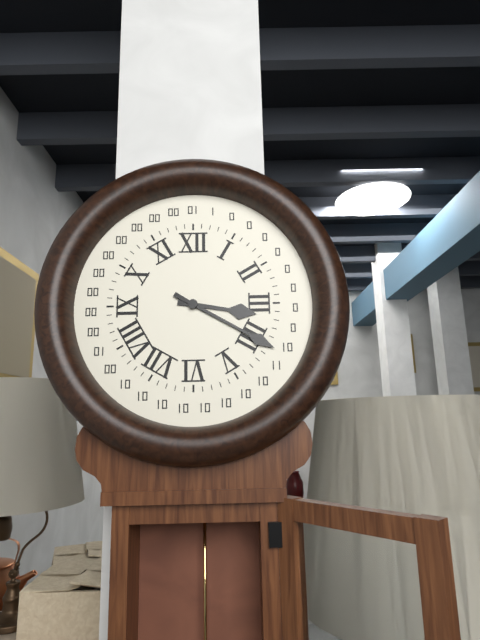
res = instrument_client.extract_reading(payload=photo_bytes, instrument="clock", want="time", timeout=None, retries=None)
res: 3:20
